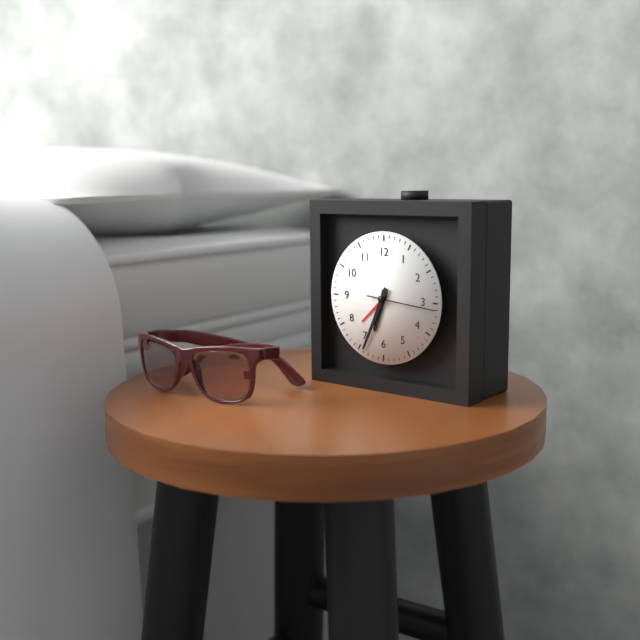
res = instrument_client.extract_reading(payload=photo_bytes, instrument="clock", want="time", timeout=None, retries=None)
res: 6:34:16
